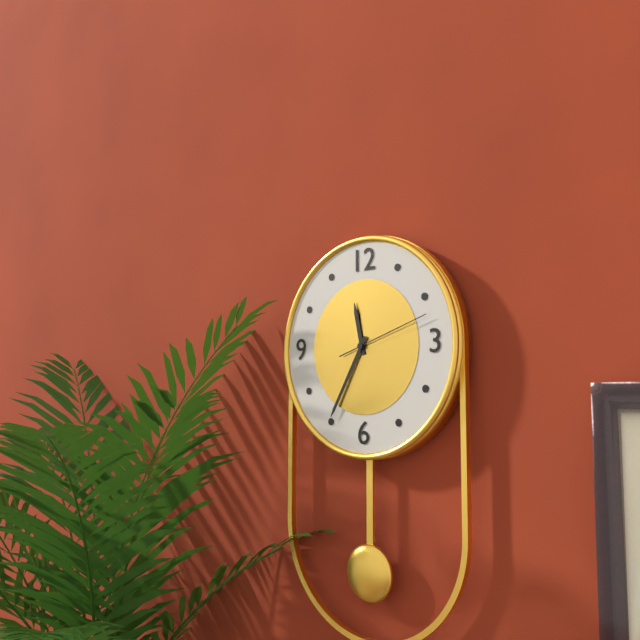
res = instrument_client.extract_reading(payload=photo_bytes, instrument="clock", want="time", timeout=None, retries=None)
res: 11:35:12
